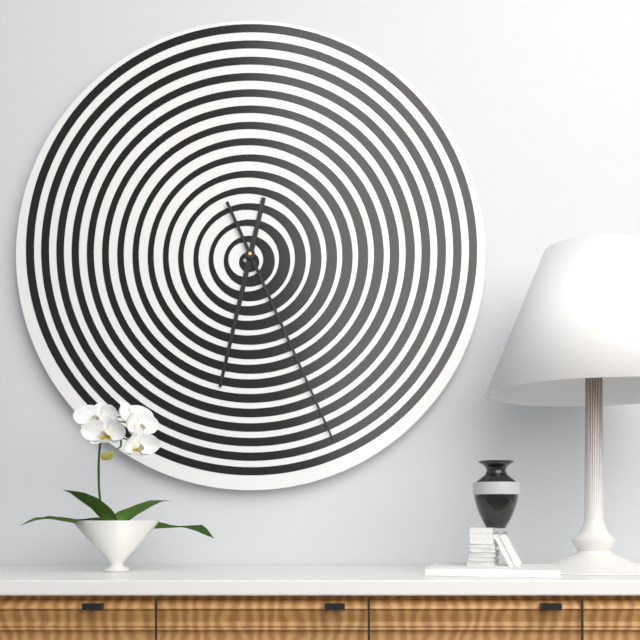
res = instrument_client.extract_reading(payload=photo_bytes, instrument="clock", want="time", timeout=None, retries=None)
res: 6:26
